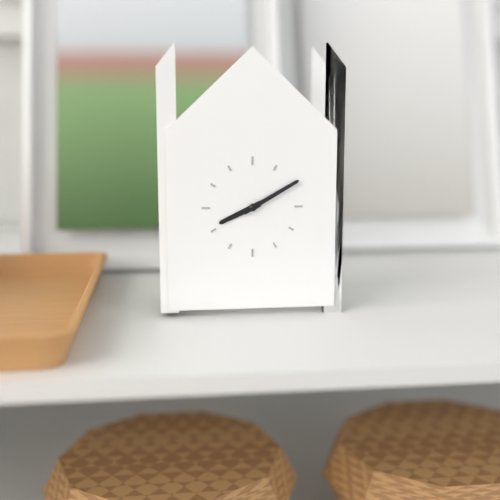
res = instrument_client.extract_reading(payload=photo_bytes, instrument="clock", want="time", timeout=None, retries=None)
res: 8:10
